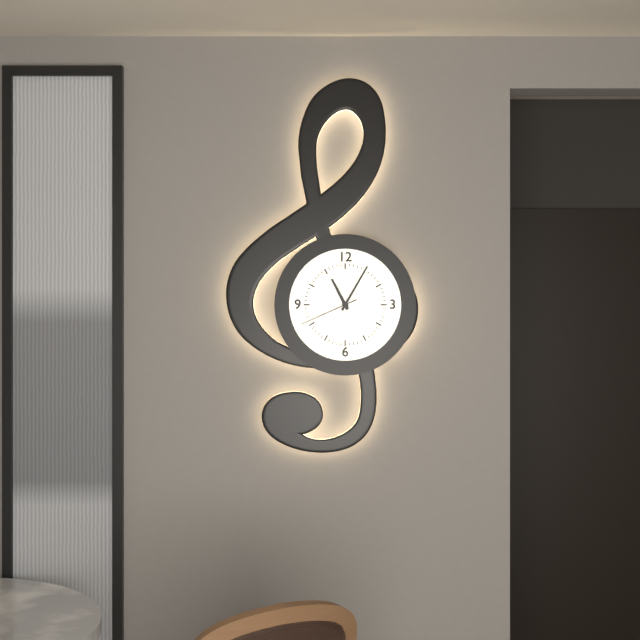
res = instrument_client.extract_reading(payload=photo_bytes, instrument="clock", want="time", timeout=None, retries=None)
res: 11:05:41
